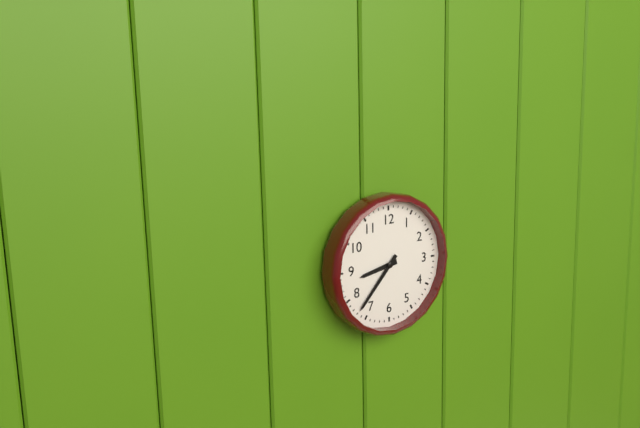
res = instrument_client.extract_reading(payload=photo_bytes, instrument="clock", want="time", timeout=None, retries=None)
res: 8:37
